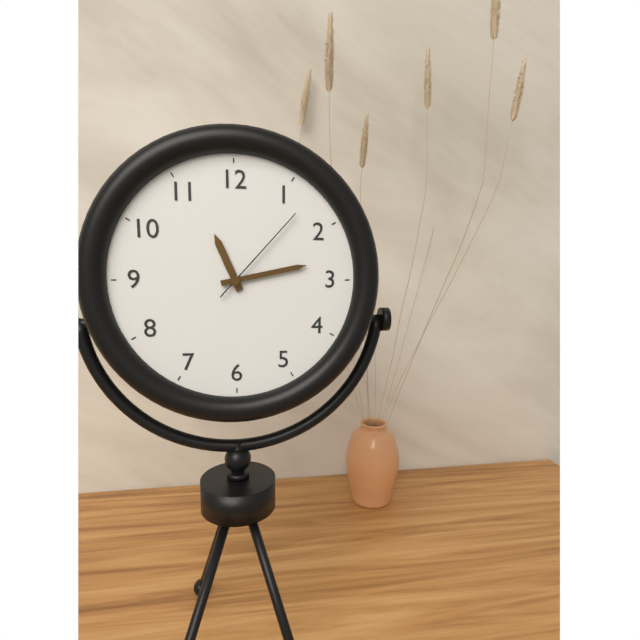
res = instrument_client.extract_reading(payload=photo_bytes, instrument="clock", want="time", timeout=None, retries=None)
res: 11:13:07
